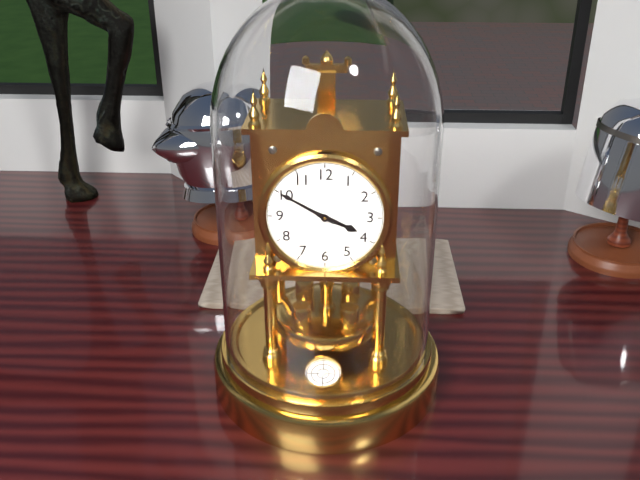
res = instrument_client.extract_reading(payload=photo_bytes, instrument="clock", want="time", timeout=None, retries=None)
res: 3:50
